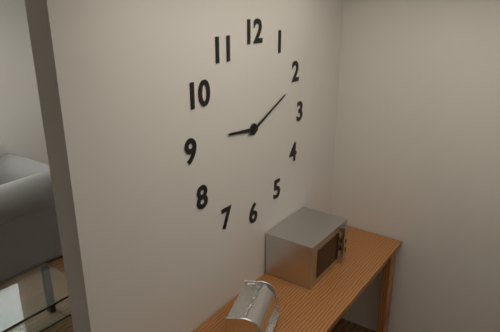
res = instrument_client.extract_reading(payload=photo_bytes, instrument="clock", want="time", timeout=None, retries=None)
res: 9:11
